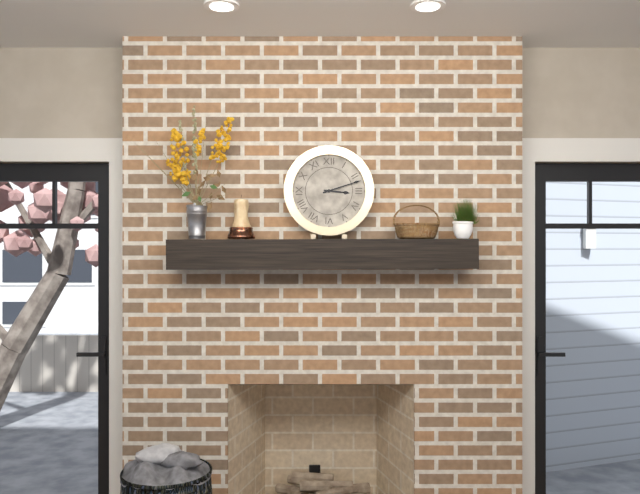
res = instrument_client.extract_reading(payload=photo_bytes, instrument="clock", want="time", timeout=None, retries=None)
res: 3:12
